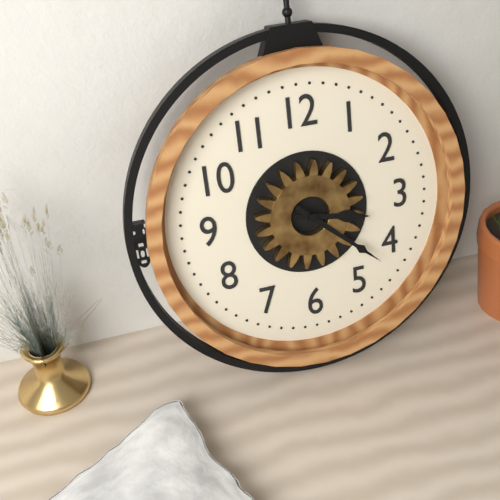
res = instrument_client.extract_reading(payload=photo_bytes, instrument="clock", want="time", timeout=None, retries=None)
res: 3:22
